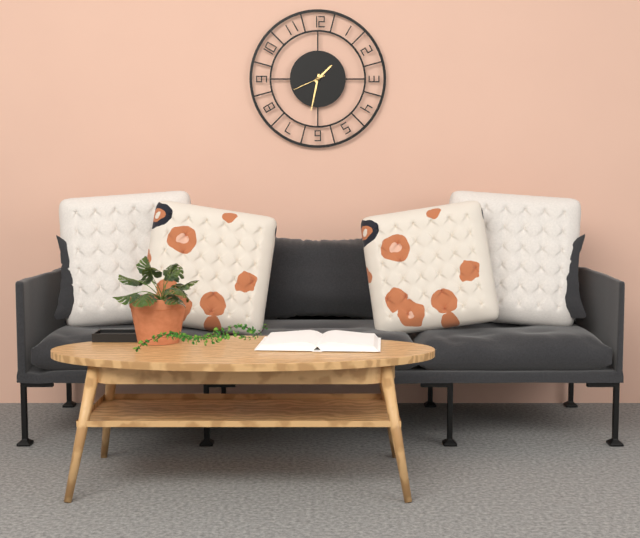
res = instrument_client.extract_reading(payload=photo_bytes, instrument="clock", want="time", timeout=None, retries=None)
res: 1:32
